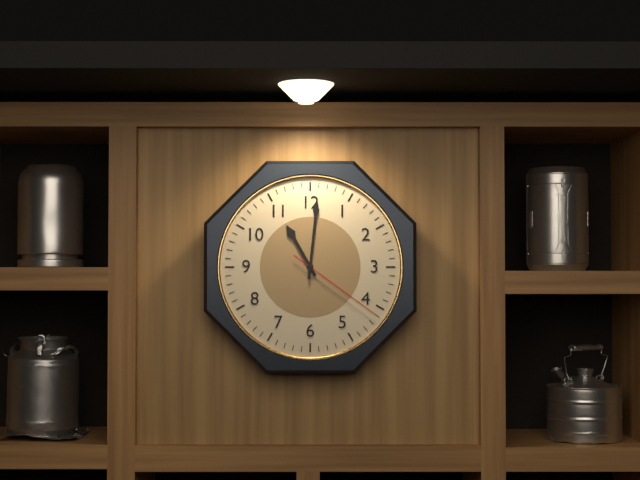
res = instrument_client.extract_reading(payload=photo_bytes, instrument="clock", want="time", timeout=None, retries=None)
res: 11:01:21
